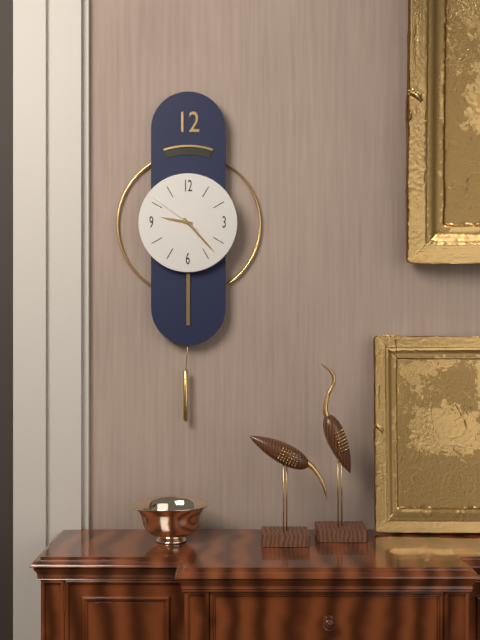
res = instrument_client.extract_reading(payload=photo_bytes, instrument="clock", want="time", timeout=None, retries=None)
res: 9:23:51
